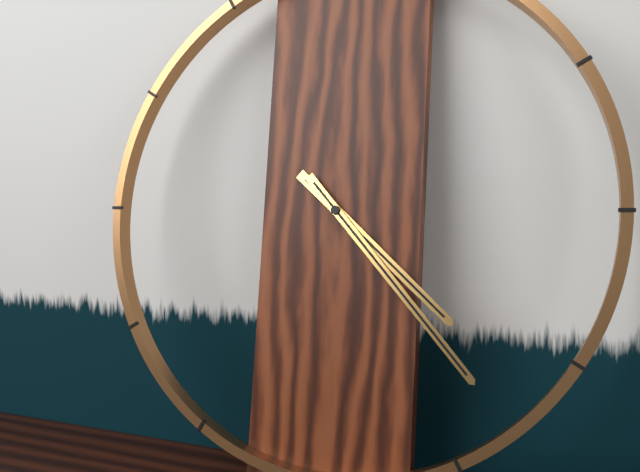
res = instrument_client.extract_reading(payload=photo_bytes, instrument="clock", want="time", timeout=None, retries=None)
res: 4:23
